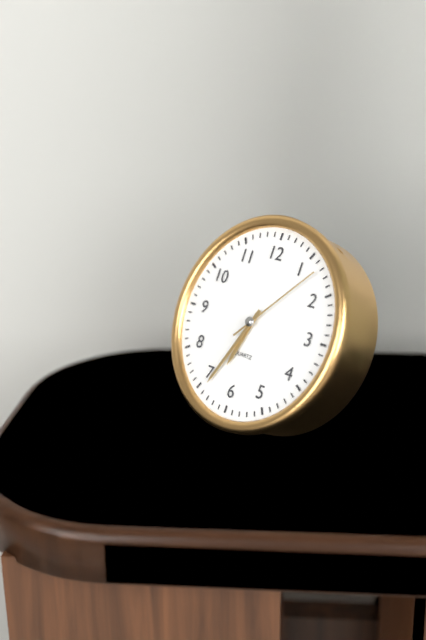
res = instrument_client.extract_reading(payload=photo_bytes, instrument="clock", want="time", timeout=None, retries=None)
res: 6:34:07
